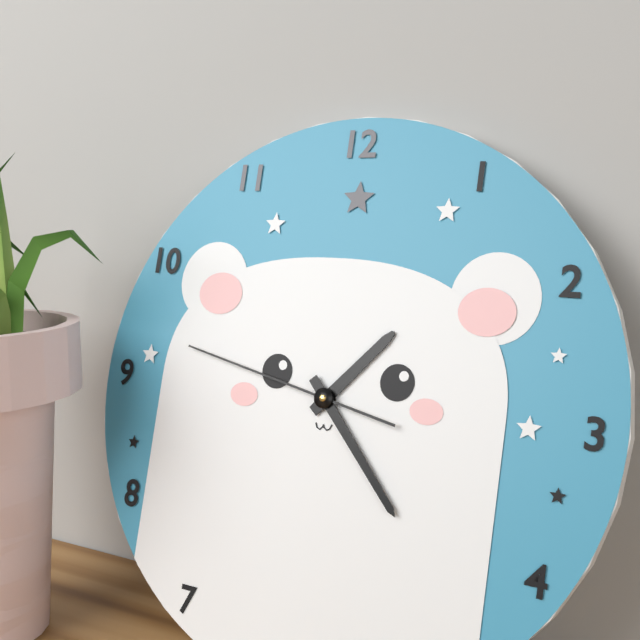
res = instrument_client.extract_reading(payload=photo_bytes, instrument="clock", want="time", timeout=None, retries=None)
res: 1:23:47
